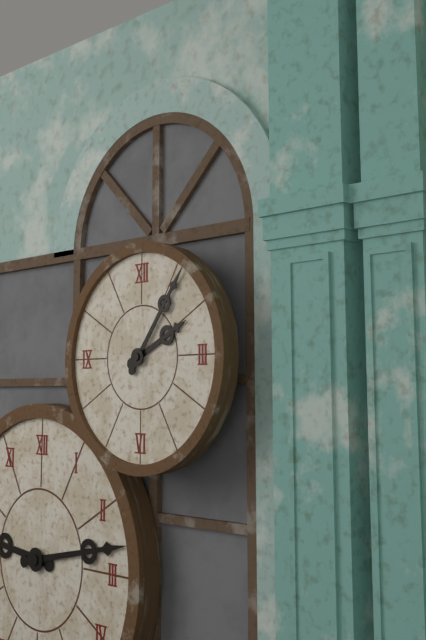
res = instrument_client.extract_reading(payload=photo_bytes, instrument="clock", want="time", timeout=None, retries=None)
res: 2:06
